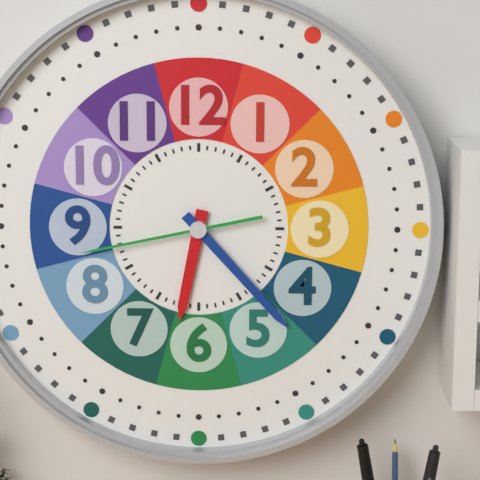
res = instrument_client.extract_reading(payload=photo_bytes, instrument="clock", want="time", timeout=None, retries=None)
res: 6:23:43
